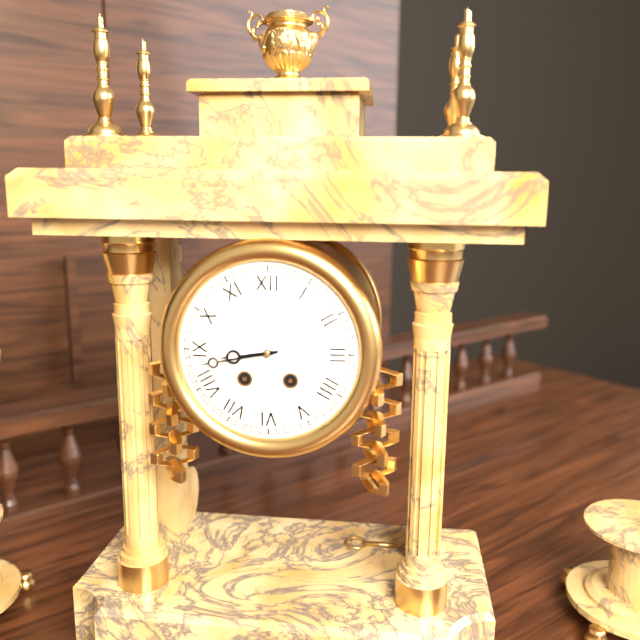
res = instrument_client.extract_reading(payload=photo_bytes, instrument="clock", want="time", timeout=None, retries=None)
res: 8:43
